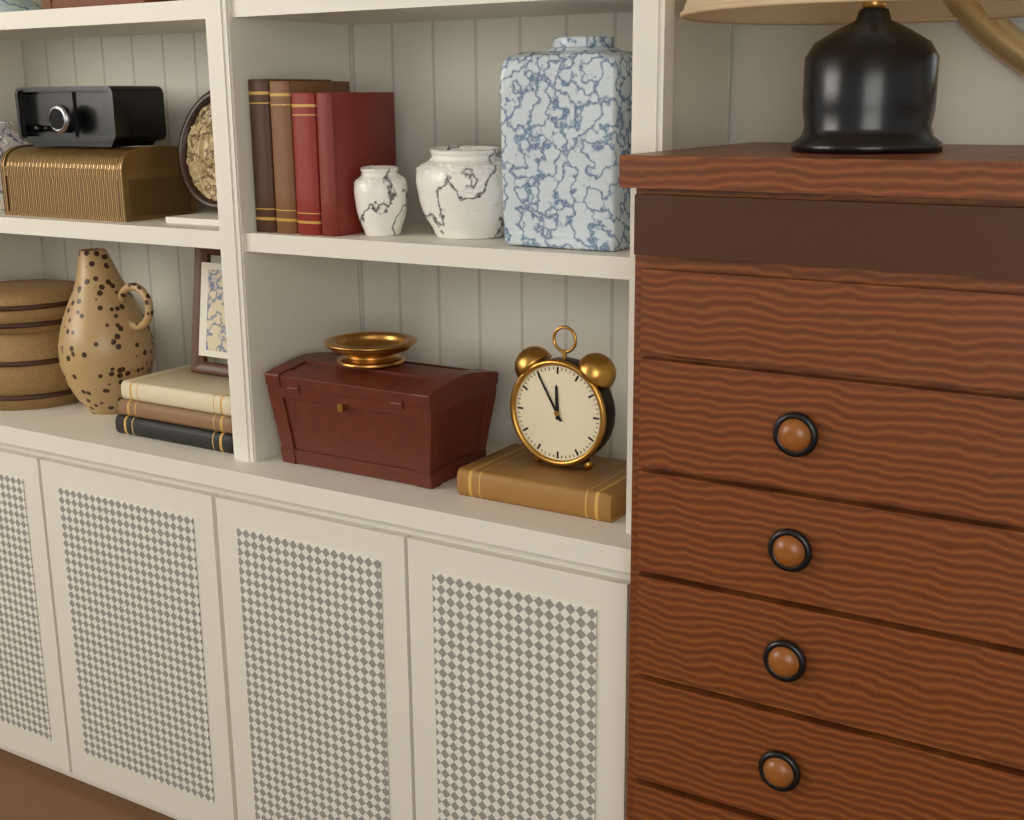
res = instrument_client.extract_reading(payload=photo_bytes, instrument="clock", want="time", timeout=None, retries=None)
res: 11:55
